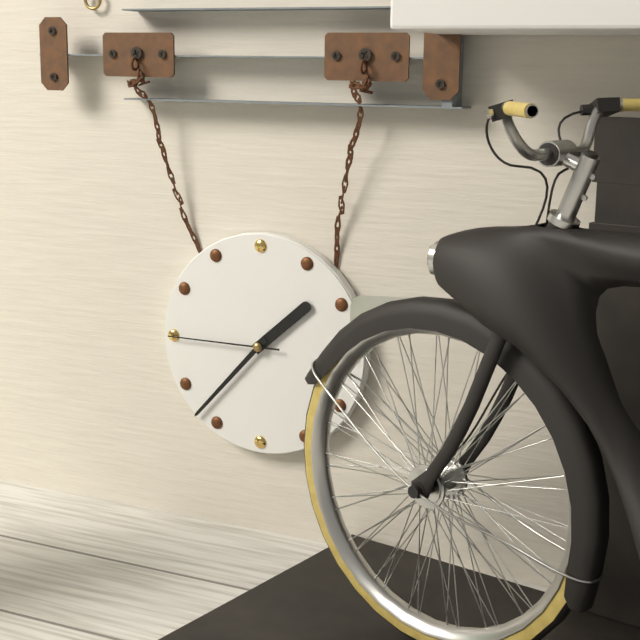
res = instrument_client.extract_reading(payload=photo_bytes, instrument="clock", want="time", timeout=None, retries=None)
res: 1:37:45
